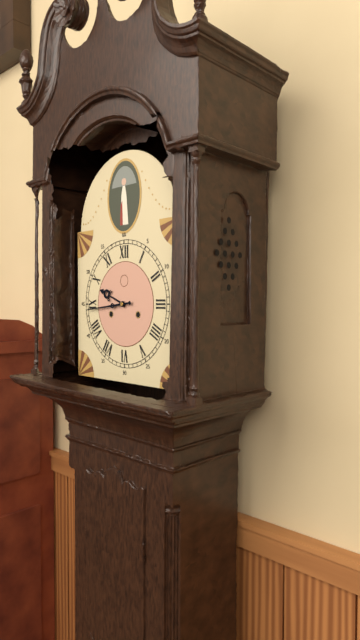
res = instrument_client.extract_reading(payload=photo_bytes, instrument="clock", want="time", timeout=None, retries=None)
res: 9:44
